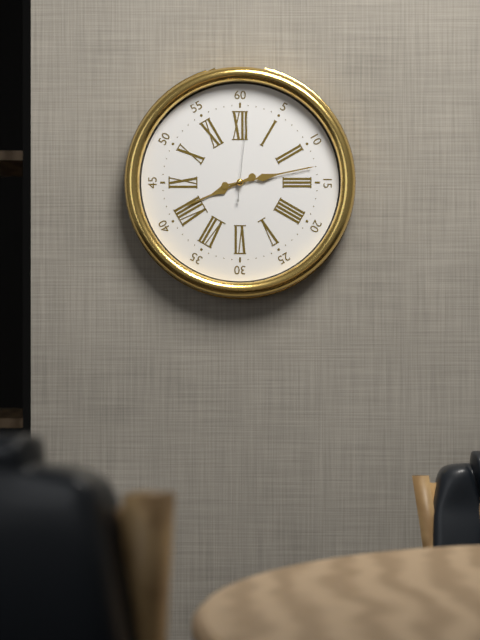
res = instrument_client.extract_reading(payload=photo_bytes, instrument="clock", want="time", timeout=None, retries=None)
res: 8:13:01
